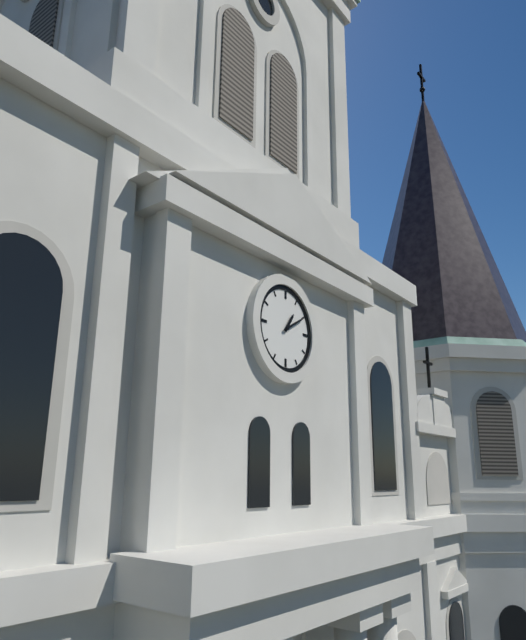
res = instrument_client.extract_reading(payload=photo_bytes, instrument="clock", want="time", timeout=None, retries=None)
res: 1:10
